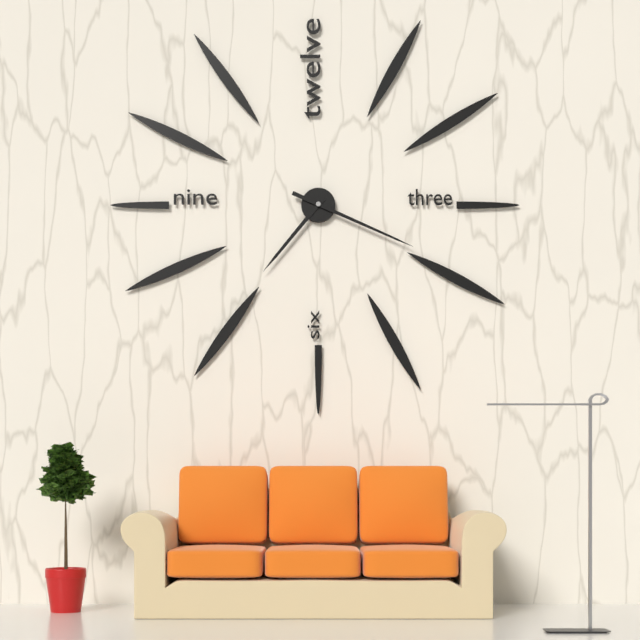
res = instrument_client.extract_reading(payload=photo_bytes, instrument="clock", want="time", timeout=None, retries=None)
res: 7:19
